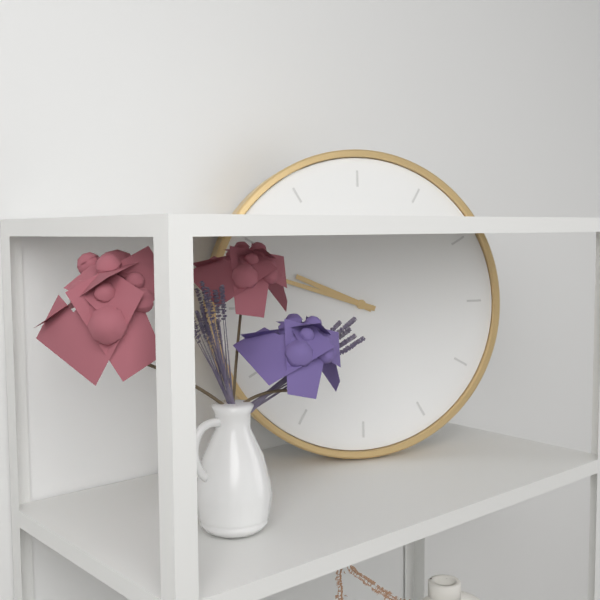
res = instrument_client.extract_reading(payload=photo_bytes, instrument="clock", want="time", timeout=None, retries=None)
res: 9:48
